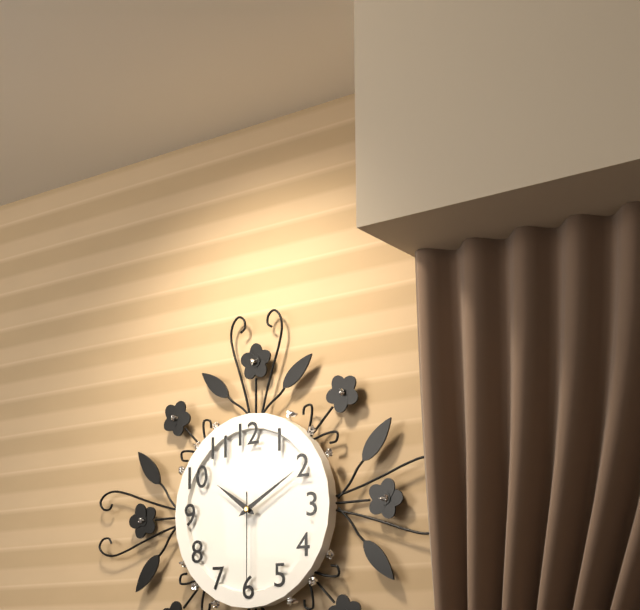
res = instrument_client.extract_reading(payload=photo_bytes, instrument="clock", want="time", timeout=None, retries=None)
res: 10:10:30
